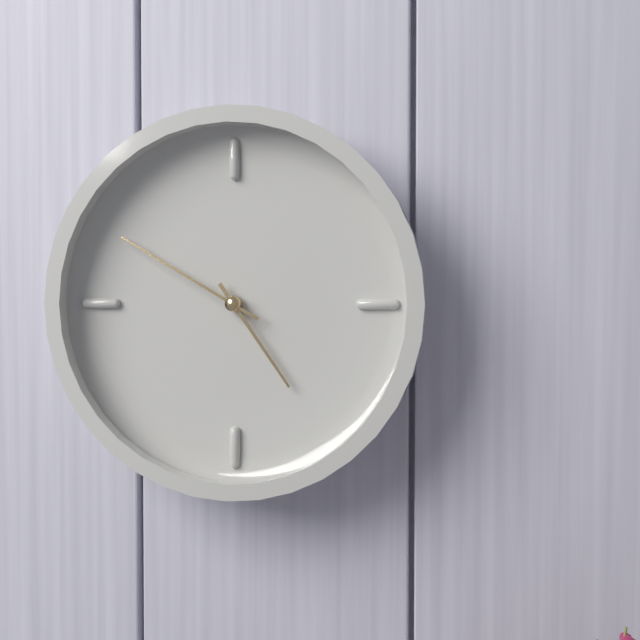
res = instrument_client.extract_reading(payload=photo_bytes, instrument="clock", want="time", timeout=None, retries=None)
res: 4:50
